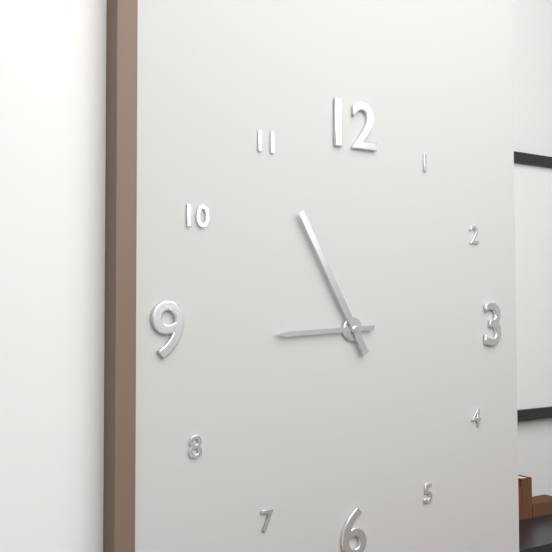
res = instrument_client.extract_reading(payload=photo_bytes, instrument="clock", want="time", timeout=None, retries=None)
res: 8:55
